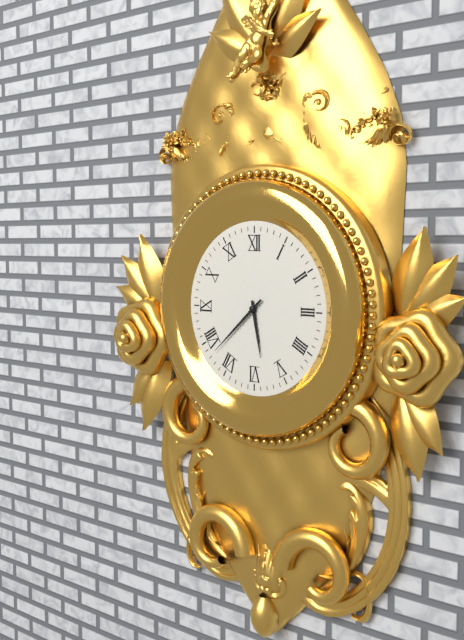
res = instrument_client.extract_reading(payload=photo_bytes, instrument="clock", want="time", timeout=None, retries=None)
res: 5:38
